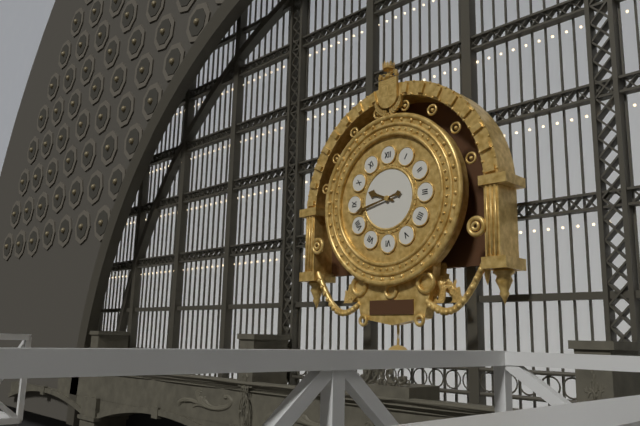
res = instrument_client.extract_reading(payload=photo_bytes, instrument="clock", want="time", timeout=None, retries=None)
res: 9:43
